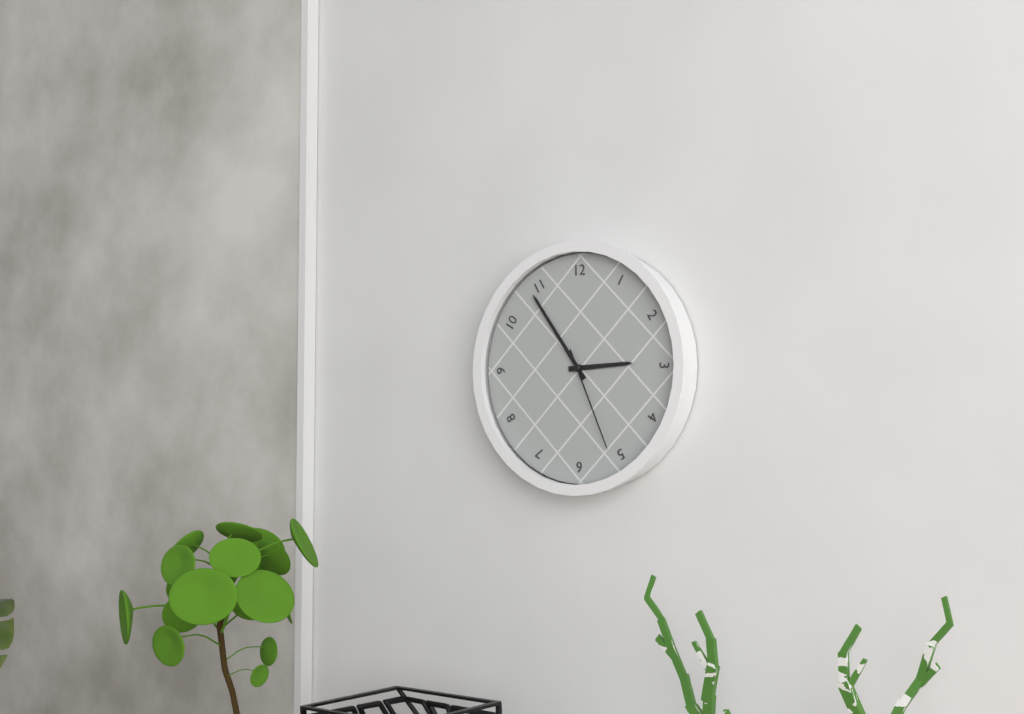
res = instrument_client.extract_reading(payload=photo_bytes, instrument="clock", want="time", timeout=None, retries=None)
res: 2:54:26
